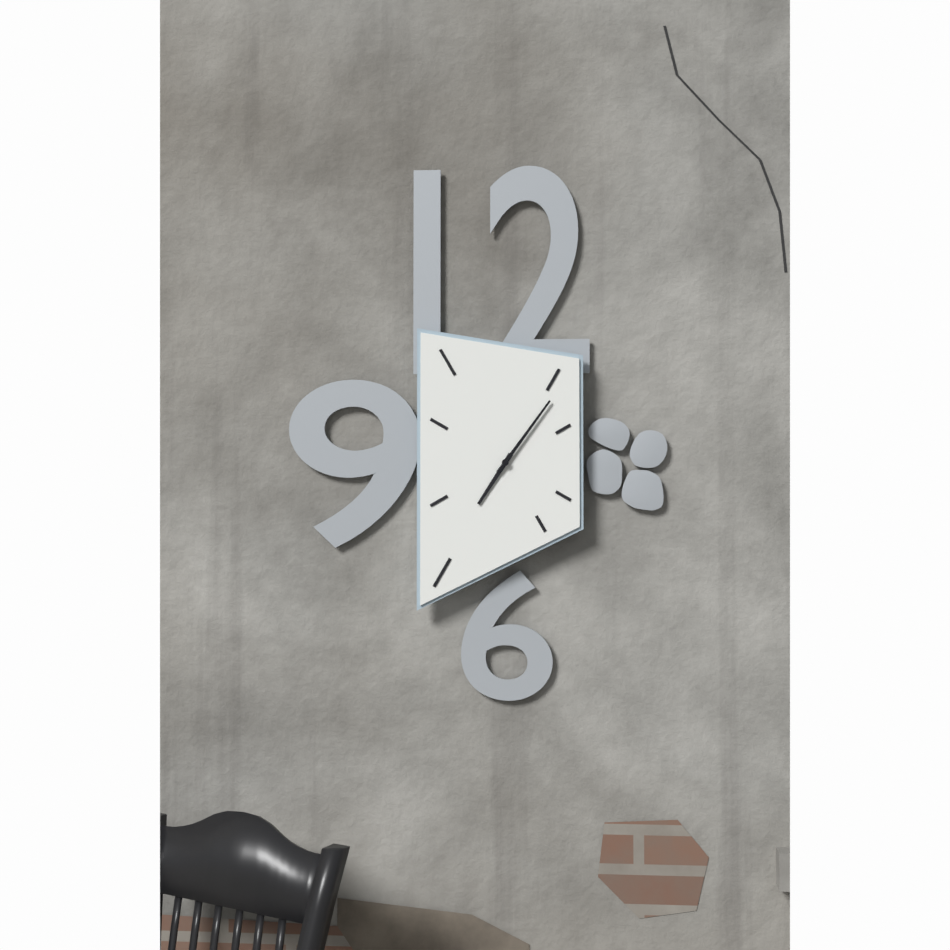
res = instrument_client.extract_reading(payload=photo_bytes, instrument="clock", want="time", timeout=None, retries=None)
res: 7:06
